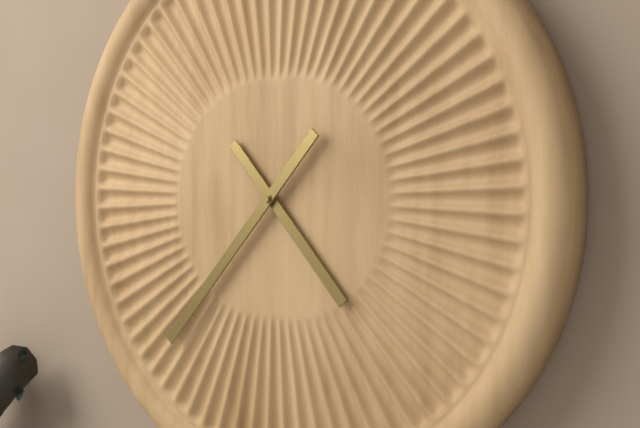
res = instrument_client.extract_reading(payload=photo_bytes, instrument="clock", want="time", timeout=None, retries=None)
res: 4:37
